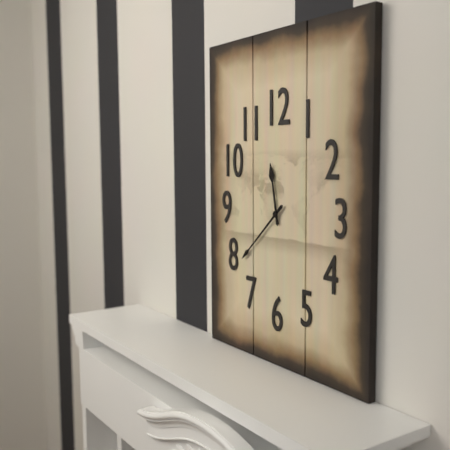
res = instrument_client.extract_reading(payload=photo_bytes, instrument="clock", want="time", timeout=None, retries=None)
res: 11:38
